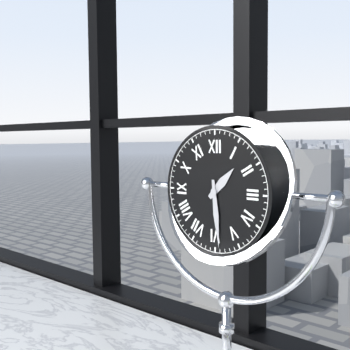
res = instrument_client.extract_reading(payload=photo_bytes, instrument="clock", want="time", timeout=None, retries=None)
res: 1:29
